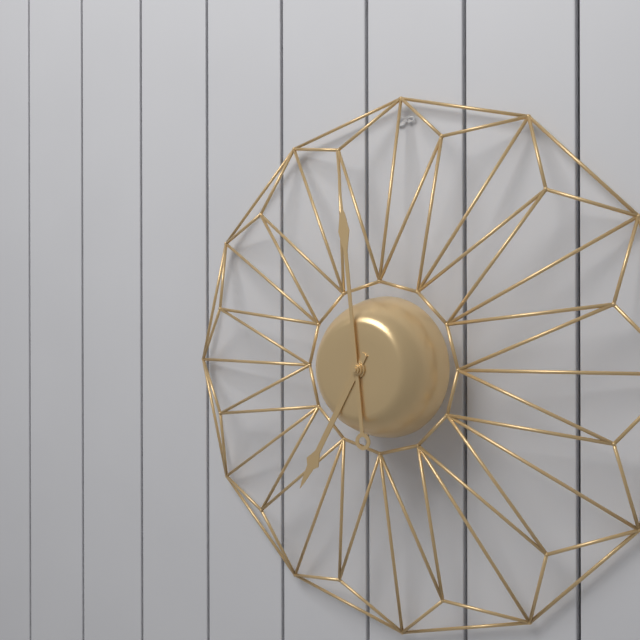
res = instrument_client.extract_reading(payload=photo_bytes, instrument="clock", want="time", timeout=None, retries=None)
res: 6:59
